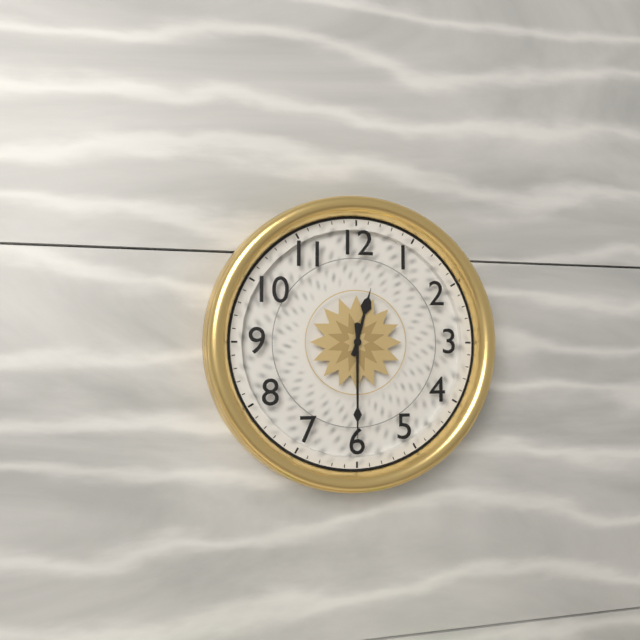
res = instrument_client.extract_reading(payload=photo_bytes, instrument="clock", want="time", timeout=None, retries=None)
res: 12:30
